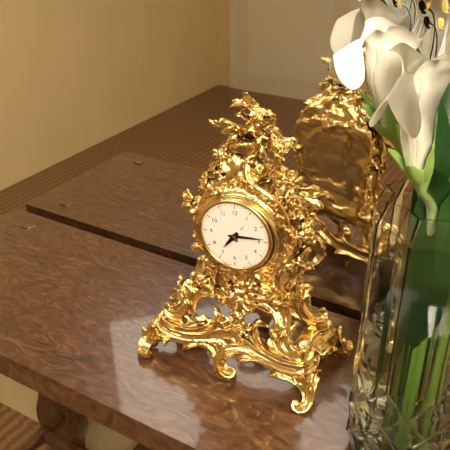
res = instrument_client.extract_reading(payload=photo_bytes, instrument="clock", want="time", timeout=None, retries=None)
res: 7:14
